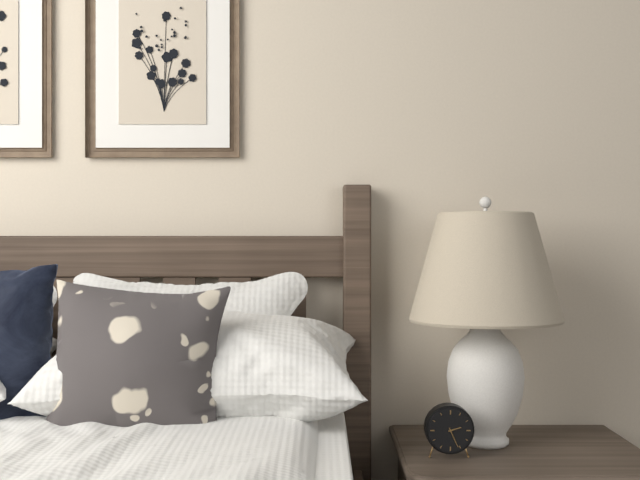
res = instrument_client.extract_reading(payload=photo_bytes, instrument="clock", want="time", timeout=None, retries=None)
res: 2:26
